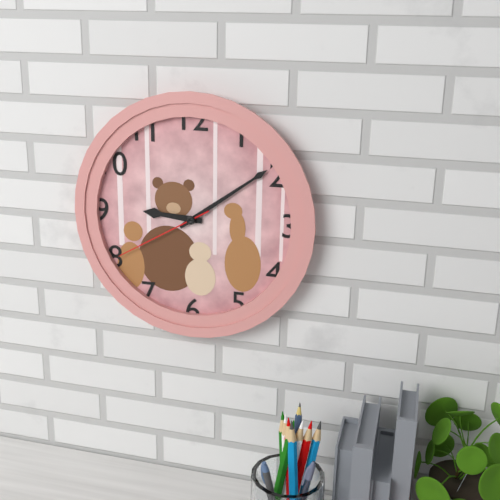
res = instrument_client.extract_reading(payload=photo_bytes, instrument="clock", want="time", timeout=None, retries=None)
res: 9:09:40
